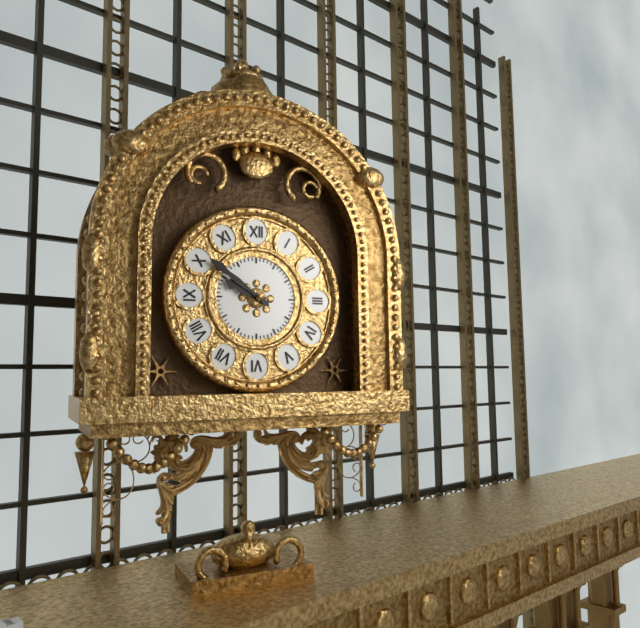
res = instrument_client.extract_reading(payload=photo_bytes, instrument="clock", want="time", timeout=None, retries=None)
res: 9:51
